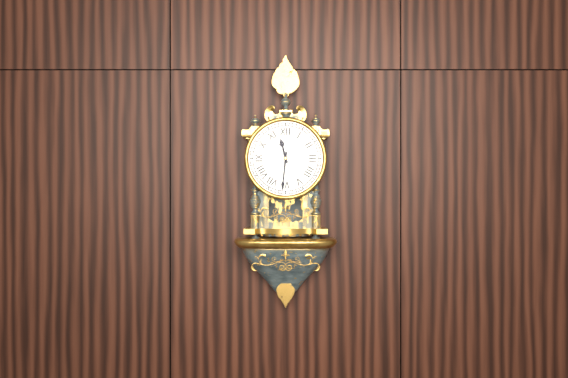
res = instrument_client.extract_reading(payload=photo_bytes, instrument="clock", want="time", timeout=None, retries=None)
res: 11:31
